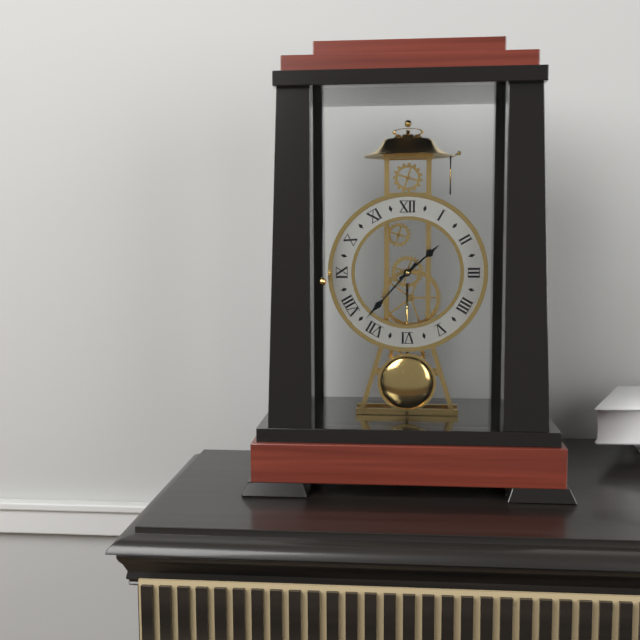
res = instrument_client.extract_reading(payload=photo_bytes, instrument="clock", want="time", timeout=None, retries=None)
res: 1:37
